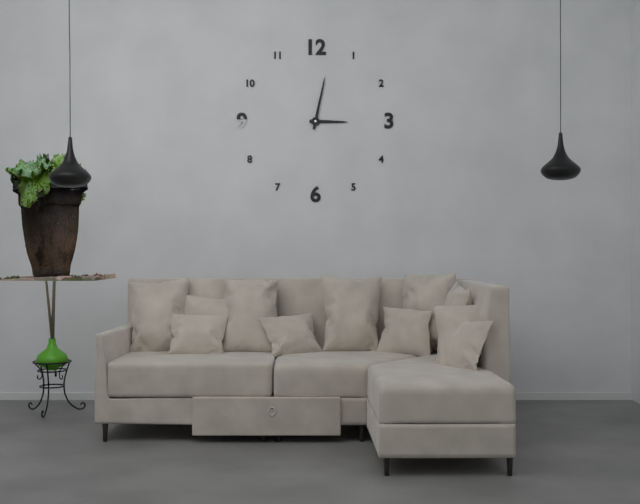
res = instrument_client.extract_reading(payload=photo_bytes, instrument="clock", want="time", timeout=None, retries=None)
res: 3:02
